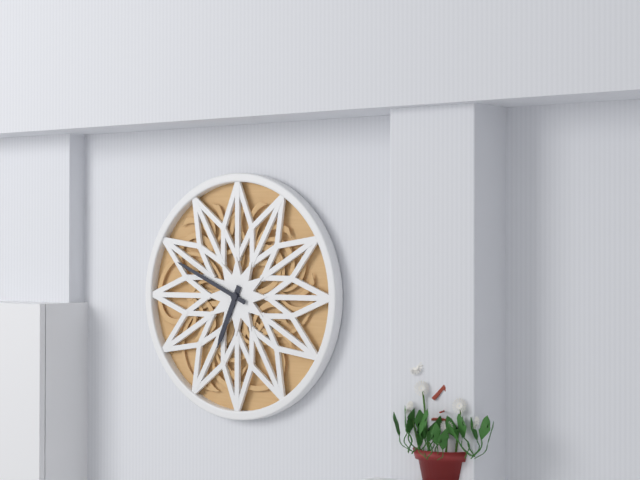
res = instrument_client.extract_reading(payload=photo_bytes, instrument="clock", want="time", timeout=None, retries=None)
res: 6:49
